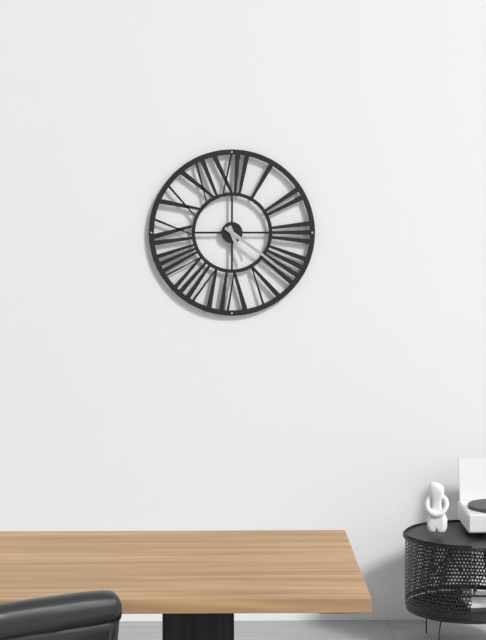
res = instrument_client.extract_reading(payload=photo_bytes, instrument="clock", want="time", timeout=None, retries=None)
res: 5:21
